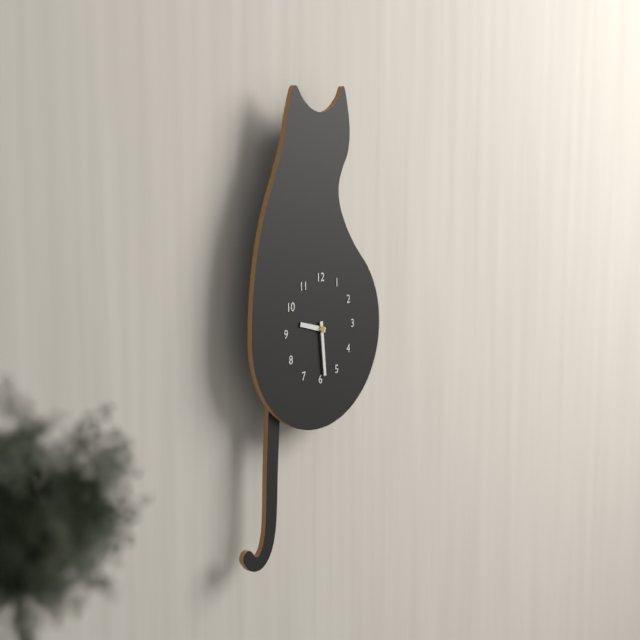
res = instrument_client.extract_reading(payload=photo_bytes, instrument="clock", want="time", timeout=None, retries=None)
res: 9:29
